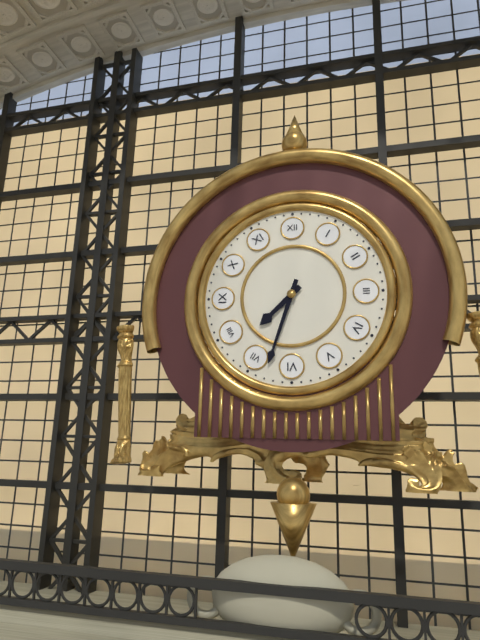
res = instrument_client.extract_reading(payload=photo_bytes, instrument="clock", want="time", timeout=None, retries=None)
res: 7:33
